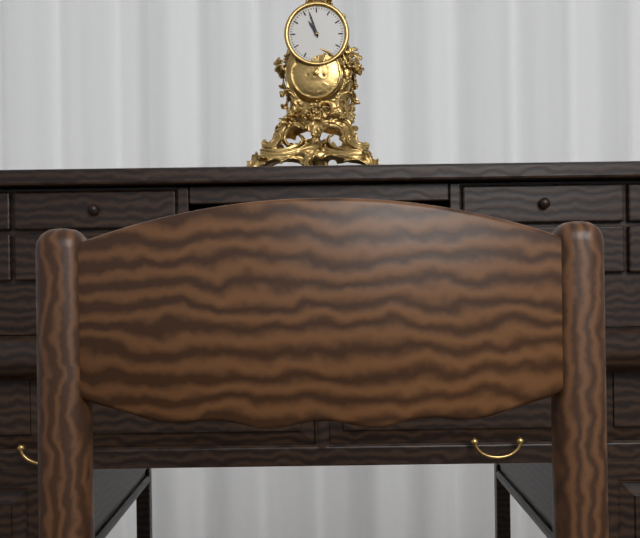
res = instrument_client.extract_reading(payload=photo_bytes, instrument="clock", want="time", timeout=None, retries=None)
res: 10:57
